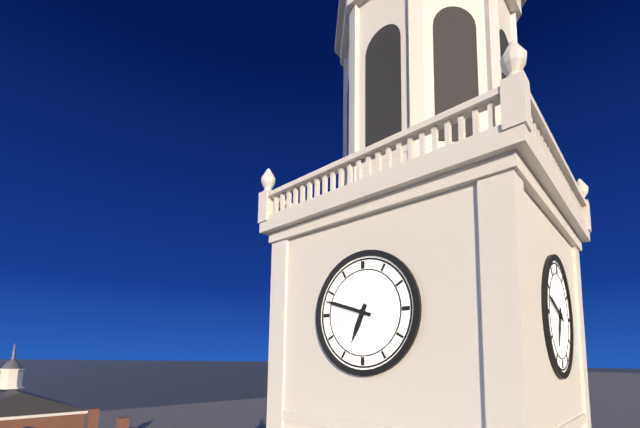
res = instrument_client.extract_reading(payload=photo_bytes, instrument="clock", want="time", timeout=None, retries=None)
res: 6:48
